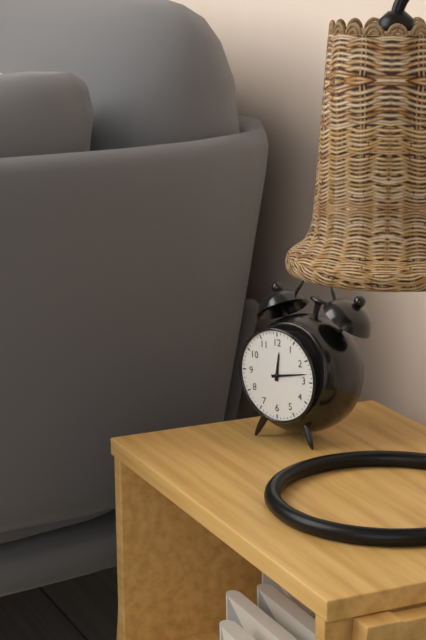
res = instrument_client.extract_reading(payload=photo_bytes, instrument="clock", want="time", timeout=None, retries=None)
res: 12:13
